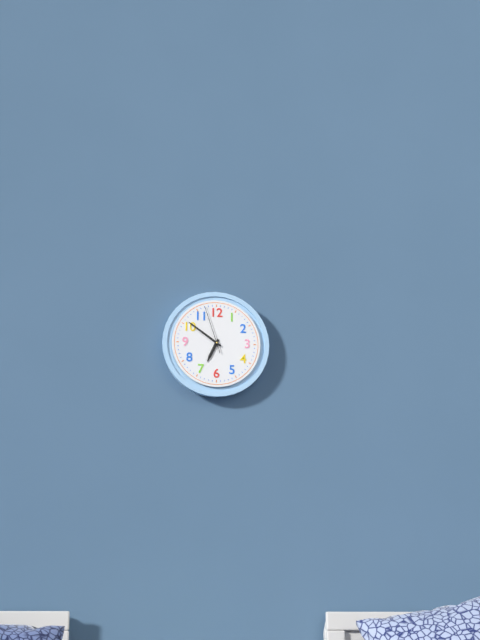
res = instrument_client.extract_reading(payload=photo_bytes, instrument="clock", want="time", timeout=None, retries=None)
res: 6:51
